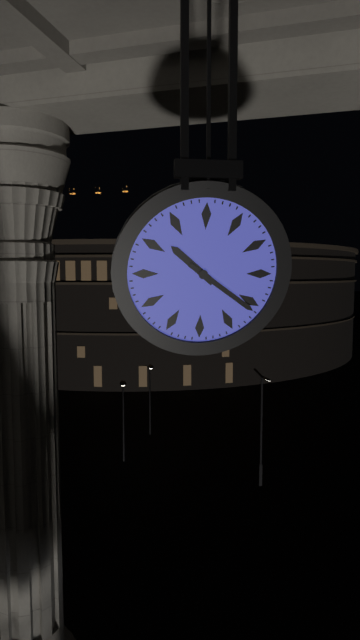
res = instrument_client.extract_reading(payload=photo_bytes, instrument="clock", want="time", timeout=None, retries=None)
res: 10:21
